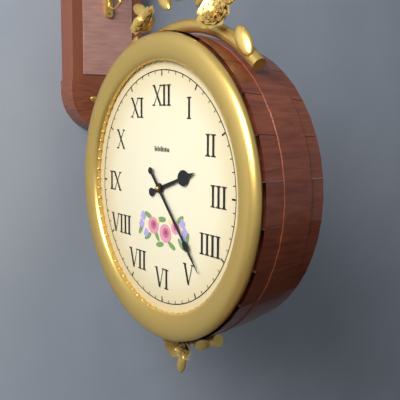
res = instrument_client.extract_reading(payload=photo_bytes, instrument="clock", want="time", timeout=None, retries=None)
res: 2:23
